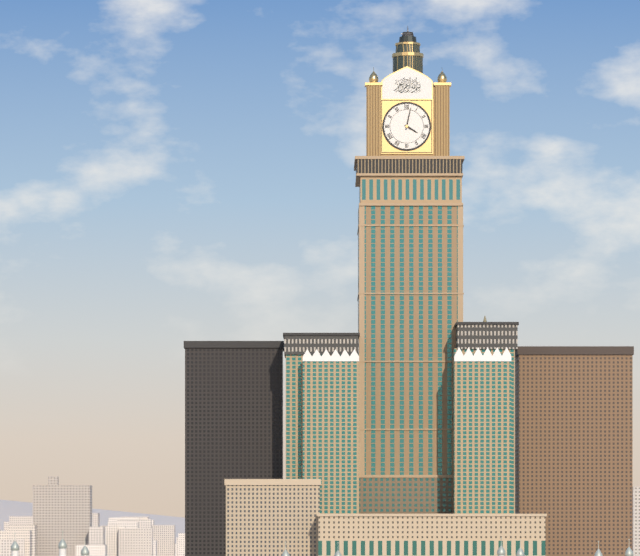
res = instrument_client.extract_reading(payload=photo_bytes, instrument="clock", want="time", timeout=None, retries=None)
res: 4:02
